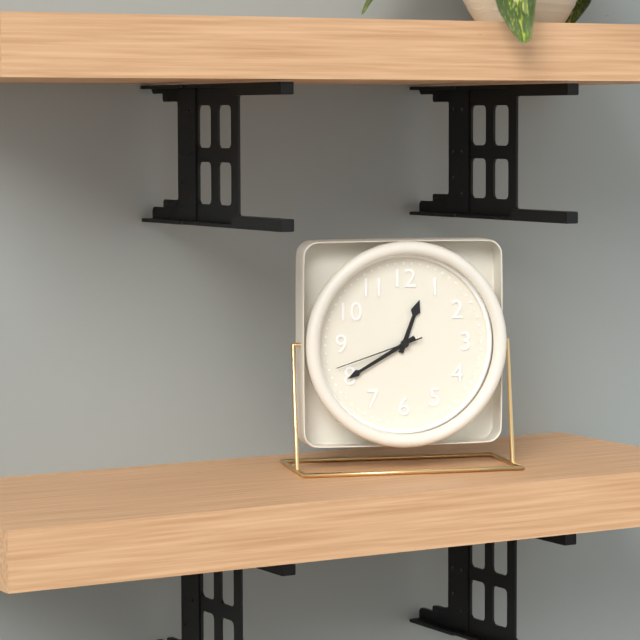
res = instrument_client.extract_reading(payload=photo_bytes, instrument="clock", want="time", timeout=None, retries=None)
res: 12:40:42
